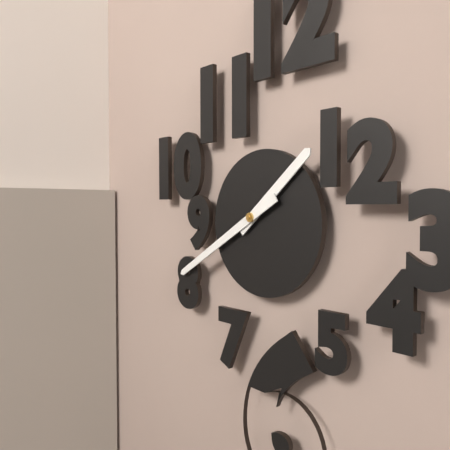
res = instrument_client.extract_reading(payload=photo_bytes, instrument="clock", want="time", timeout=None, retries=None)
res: 1:40
